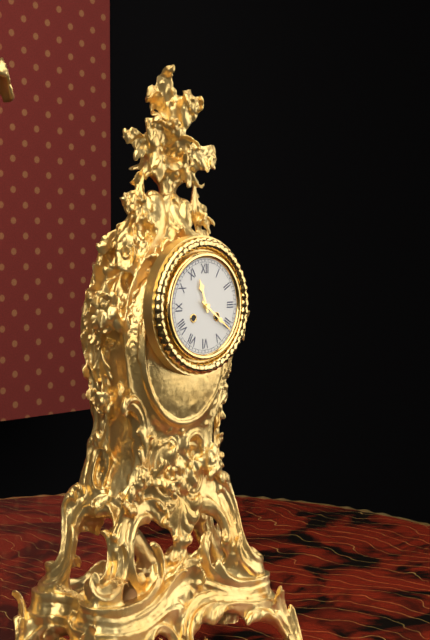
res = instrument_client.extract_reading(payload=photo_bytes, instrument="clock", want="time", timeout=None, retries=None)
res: 11:21
